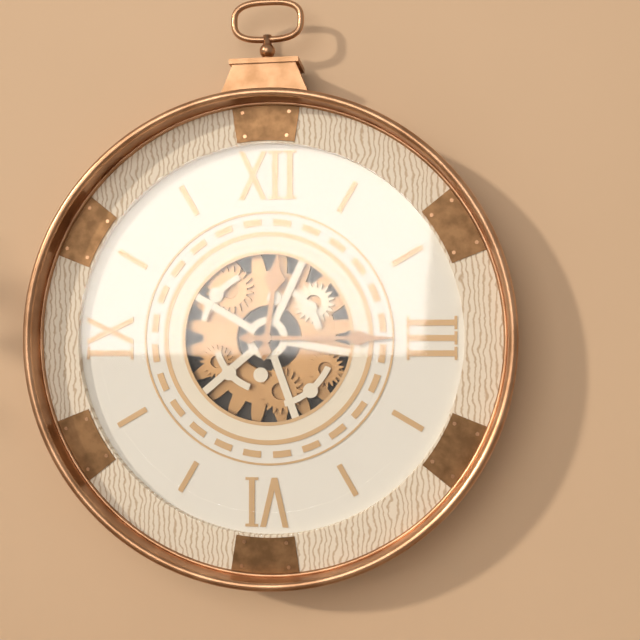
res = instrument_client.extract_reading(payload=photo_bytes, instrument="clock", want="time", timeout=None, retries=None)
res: 12:15
